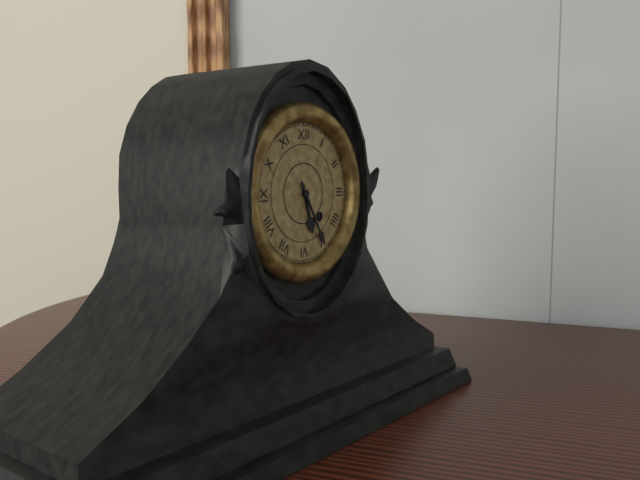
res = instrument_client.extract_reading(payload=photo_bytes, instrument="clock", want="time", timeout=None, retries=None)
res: 5:25
